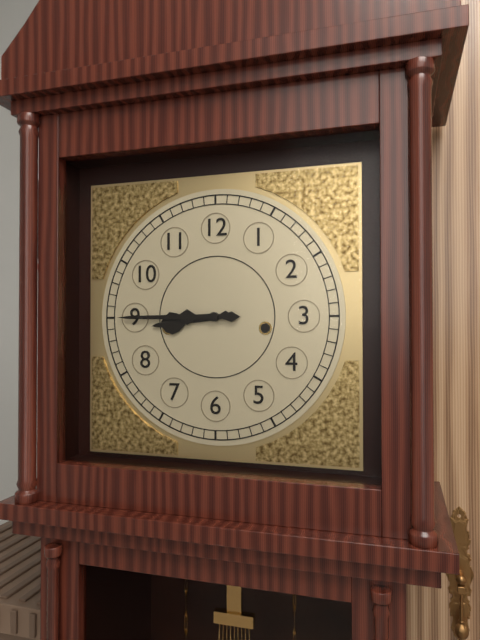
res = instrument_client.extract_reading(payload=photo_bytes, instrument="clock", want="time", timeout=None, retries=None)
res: 8:45
